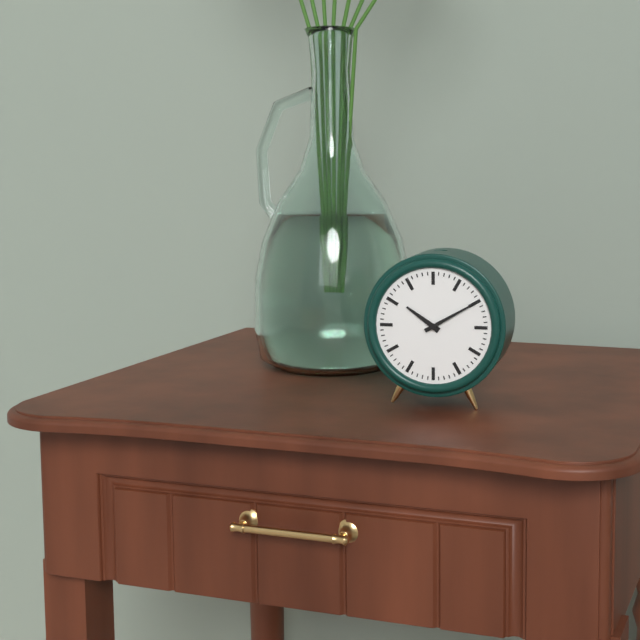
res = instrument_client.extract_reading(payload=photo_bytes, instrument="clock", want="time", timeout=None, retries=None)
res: 10:10
